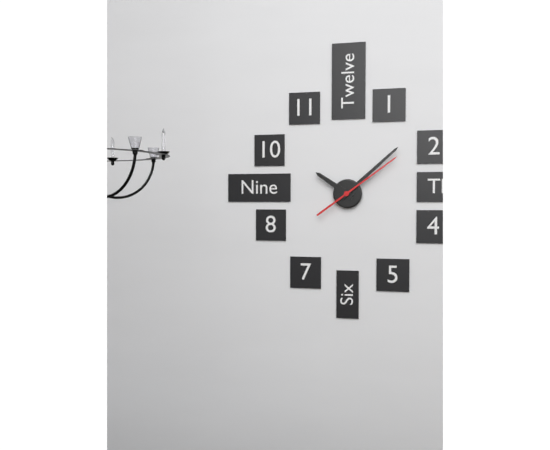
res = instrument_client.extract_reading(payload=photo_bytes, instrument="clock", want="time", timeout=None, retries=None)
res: 10:08:09
